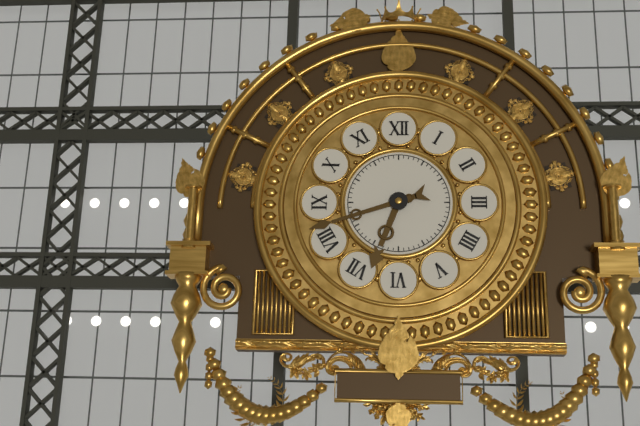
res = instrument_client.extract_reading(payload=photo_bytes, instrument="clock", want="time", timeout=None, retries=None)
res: 6:42
